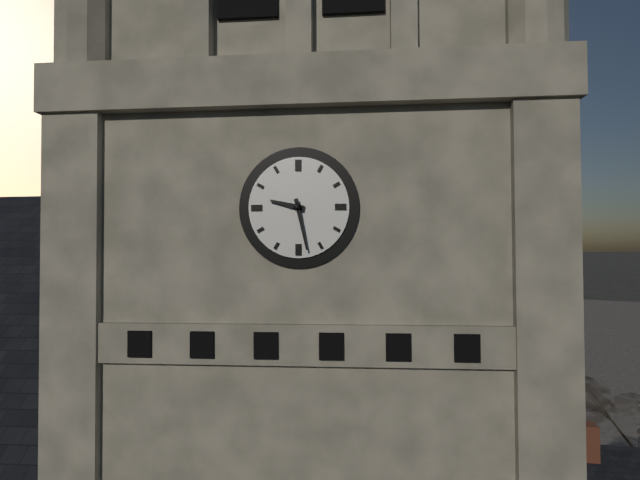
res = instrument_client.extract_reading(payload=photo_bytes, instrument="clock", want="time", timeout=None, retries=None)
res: 9:28
